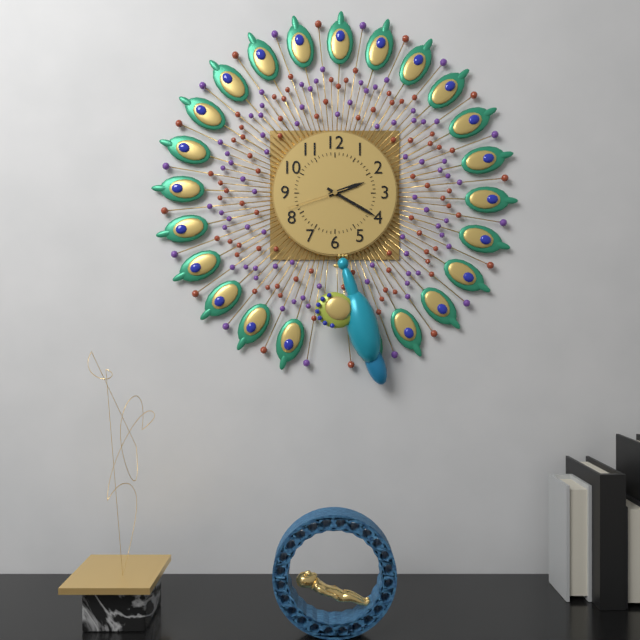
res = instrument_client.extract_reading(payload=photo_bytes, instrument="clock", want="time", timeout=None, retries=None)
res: 2:20:42
